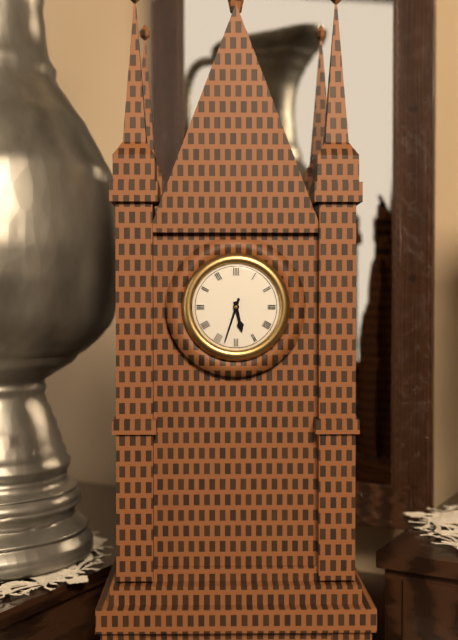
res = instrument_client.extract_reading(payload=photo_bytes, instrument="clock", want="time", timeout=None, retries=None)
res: 5:33
